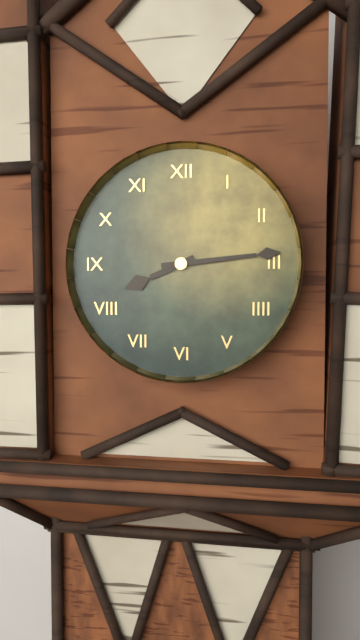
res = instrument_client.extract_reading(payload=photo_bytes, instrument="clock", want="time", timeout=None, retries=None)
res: 8:14
